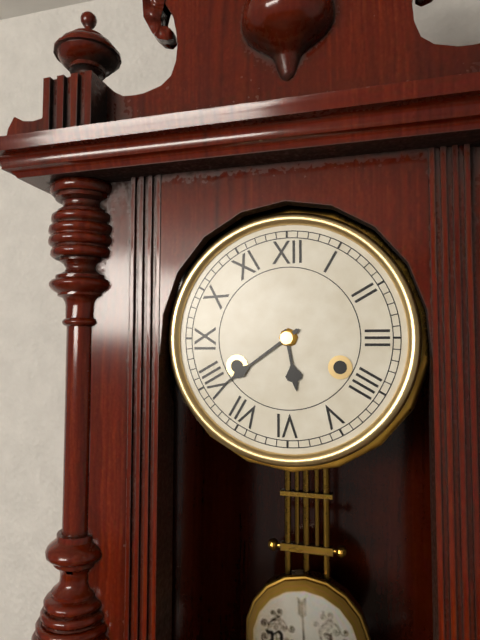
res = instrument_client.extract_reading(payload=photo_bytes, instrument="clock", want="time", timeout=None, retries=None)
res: 5:39
